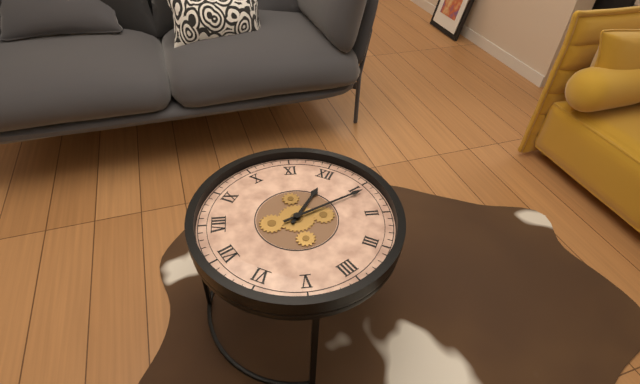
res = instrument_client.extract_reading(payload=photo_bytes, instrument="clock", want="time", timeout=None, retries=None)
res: 12:06
